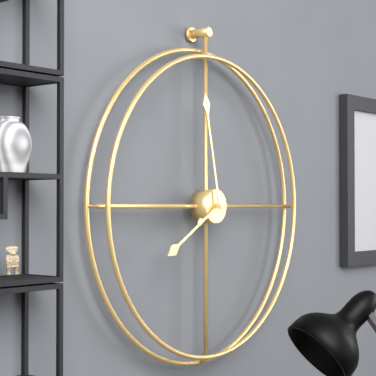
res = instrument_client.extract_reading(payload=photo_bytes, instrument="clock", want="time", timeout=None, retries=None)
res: 7:58
